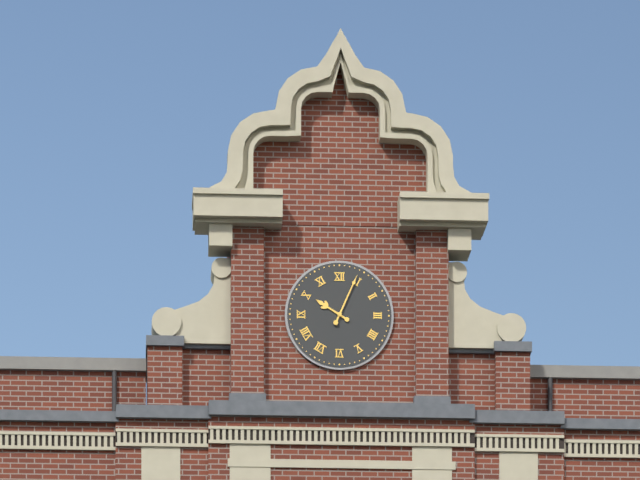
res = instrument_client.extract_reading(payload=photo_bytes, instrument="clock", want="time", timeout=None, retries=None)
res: 10:04
